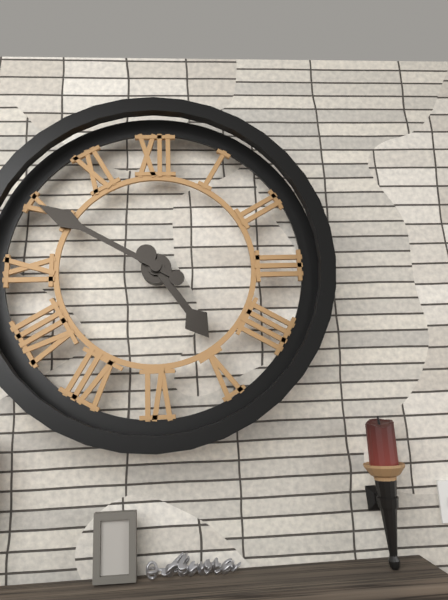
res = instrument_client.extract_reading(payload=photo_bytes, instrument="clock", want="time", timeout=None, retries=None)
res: 4:50
